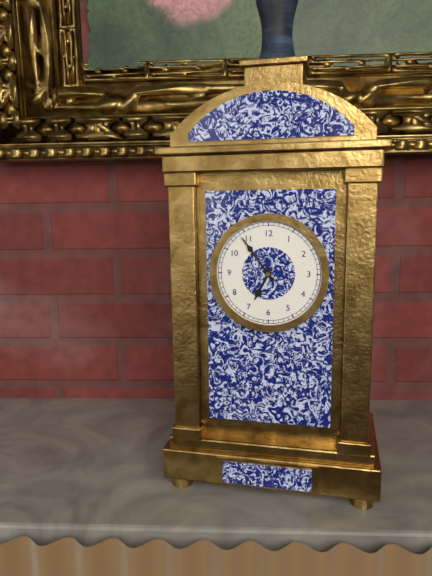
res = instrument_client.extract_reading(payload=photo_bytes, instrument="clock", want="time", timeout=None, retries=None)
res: 6:54
